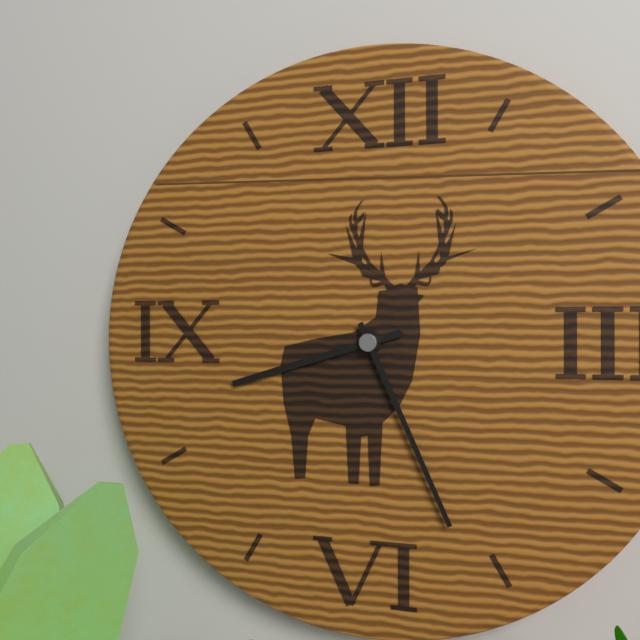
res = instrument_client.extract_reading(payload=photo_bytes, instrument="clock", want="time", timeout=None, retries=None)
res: 8:26
